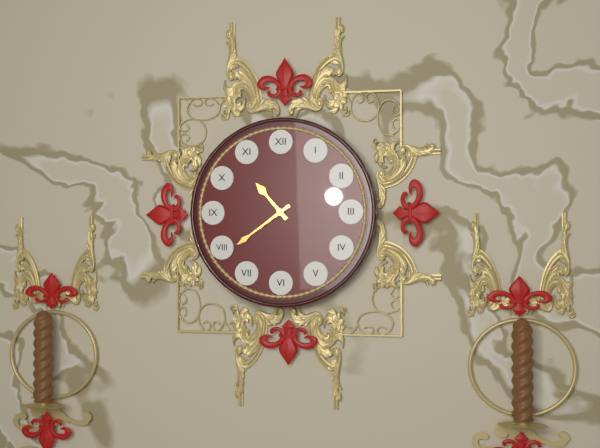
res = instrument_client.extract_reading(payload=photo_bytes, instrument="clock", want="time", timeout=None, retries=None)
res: 10:39
